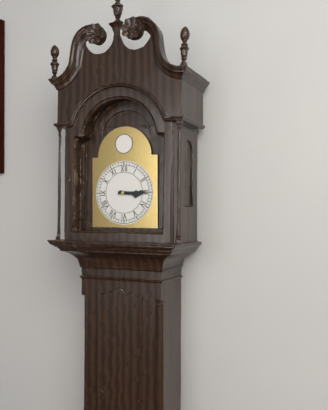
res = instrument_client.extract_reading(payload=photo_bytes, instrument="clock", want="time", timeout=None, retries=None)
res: 3:15
